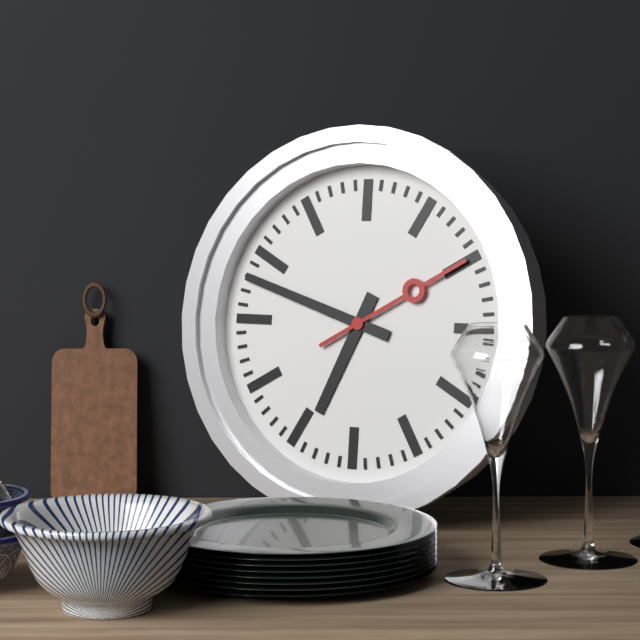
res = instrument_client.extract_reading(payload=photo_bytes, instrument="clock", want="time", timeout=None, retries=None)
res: 6:48:10
